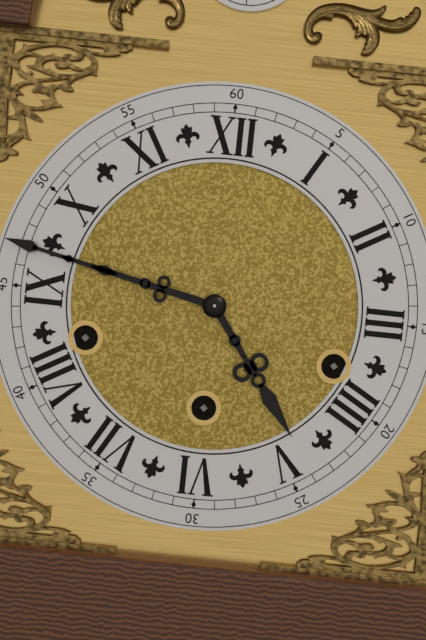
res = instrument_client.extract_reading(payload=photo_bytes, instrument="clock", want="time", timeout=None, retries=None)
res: 4:47
